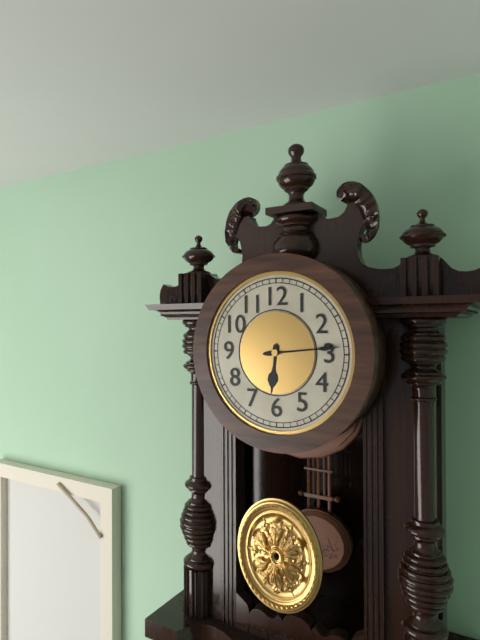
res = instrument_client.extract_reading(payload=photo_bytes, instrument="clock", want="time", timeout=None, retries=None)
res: 6:14
